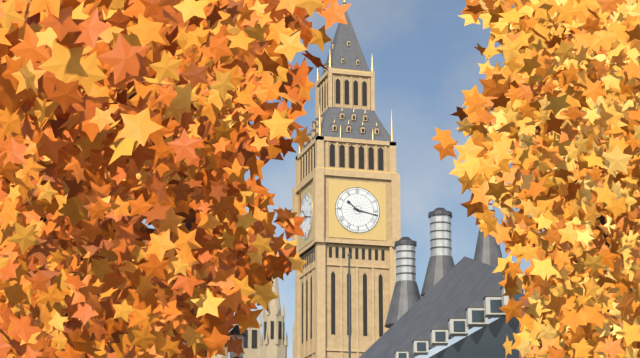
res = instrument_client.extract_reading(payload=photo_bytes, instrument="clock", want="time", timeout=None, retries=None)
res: 10:17
